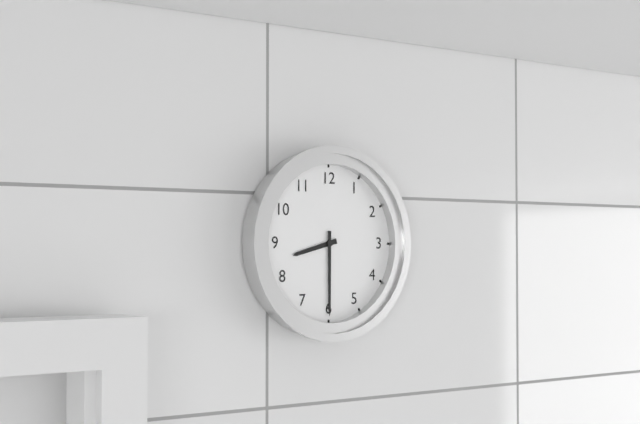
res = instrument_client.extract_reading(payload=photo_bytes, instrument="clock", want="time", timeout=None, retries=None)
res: 8:30
